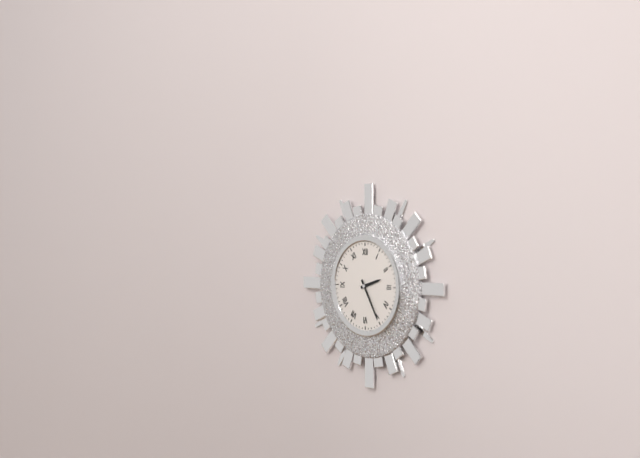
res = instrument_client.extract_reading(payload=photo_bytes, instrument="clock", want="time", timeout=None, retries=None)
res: 2:25
